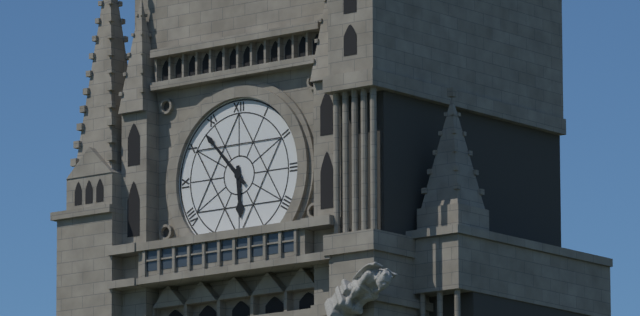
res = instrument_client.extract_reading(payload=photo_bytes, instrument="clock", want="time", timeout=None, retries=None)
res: 5:53
